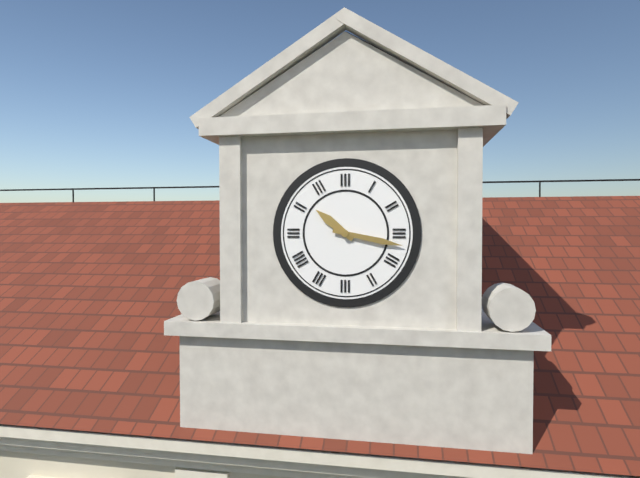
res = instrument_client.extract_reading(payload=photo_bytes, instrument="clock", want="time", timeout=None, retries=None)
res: 10:17
